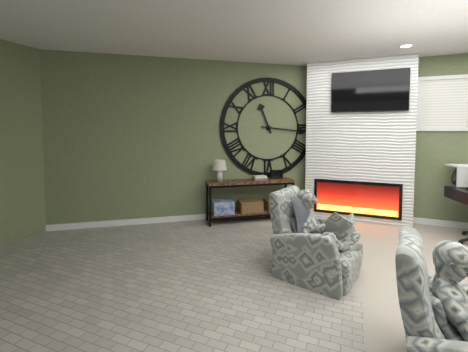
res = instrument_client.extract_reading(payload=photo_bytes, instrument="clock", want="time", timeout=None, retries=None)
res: 11:16
